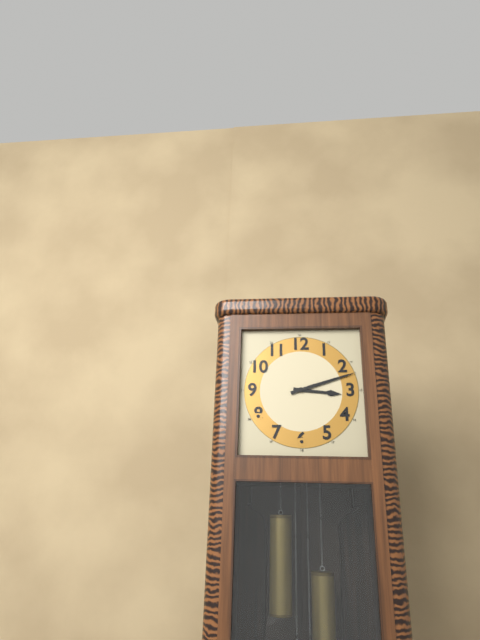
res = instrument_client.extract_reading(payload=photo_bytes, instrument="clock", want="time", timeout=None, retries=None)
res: 3:12
